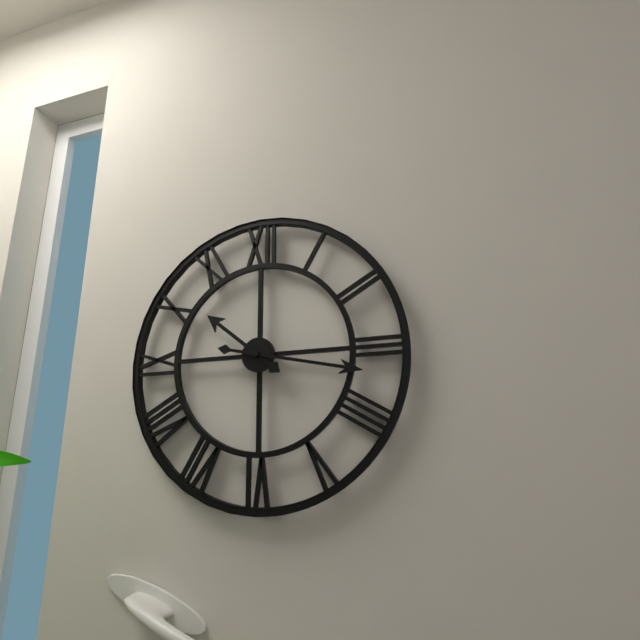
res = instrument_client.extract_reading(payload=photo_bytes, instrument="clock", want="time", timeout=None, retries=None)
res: 10:17
